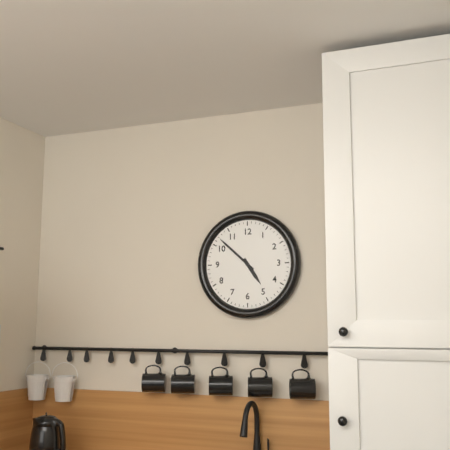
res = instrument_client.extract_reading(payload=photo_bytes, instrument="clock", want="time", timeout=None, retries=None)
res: 4:52
